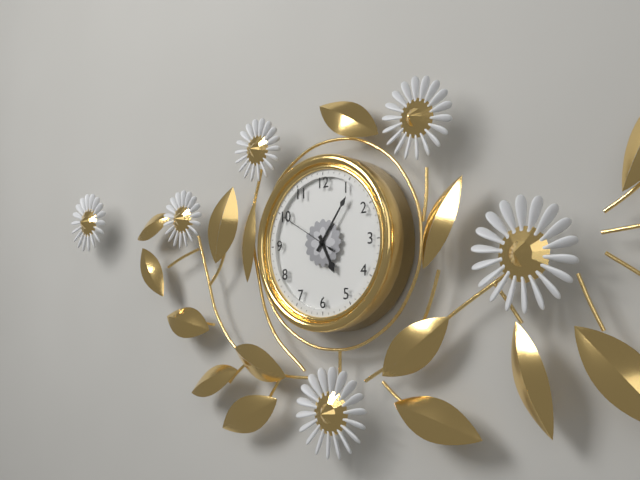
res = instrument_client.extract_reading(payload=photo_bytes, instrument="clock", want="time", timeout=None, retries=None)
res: 5:06:50
